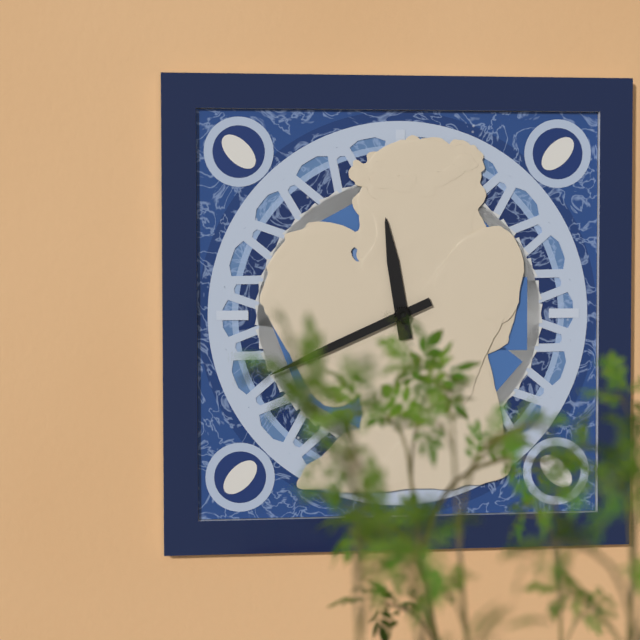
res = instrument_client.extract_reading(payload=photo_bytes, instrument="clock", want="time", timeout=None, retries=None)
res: 11:41
